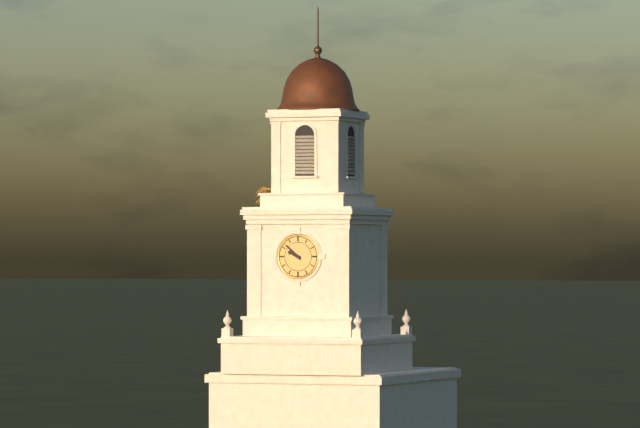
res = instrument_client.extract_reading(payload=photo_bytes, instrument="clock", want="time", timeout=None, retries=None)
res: 9:52
